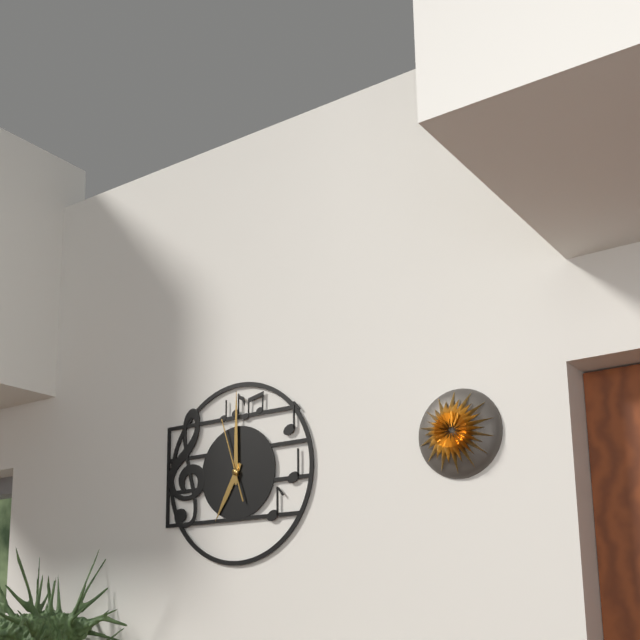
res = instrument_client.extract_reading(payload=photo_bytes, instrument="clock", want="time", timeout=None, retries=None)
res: 7:00:57
